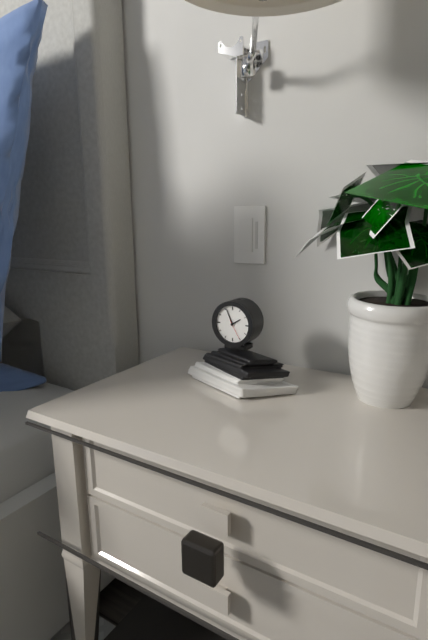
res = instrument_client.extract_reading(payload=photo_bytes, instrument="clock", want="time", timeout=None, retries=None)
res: 1:56
